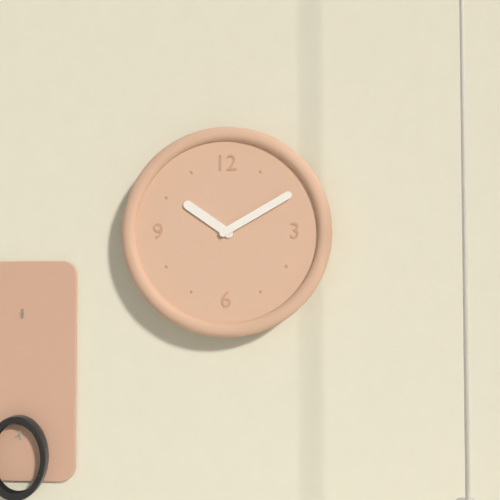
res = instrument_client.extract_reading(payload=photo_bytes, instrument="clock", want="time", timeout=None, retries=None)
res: 10:10
